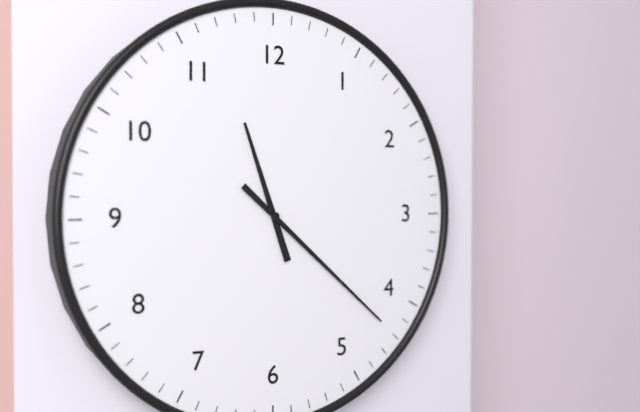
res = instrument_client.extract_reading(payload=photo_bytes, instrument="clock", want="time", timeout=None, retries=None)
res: 11:22
